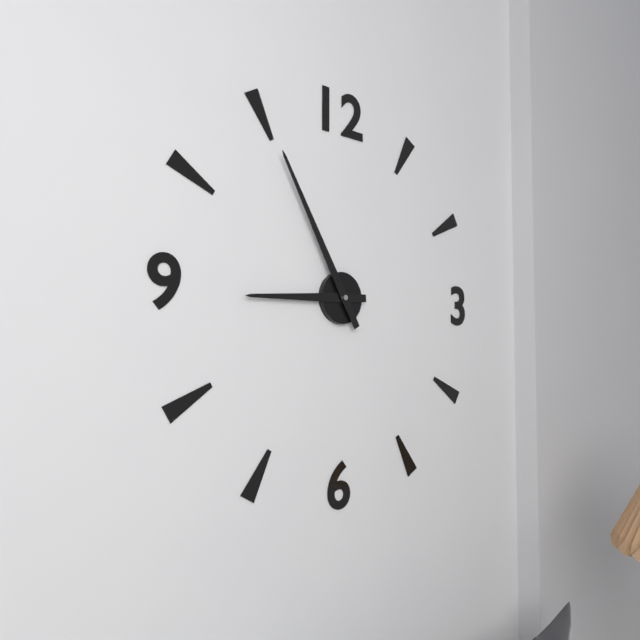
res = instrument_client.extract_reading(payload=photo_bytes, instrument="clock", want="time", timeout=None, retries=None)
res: 8:55
